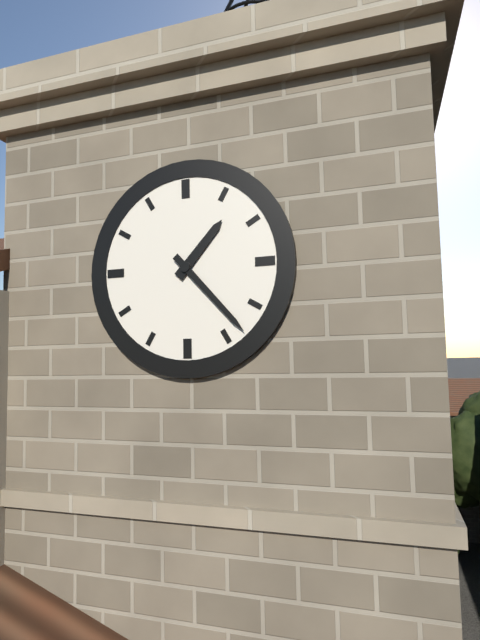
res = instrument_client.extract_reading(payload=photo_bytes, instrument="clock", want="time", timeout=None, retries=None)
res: 1:23
